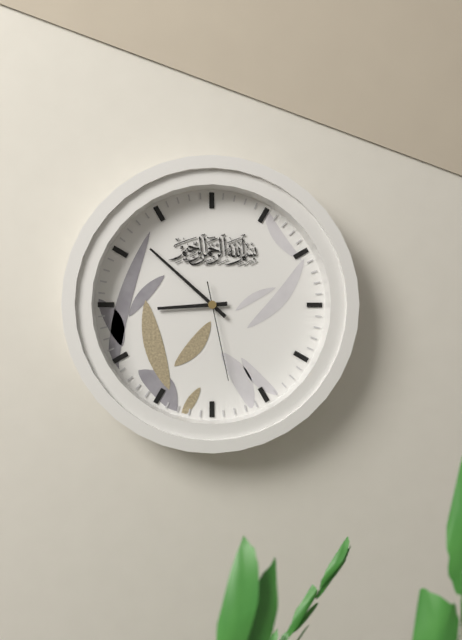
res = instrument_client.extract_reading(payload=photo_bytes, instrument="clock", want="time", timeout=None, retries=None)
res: 8:52:28
